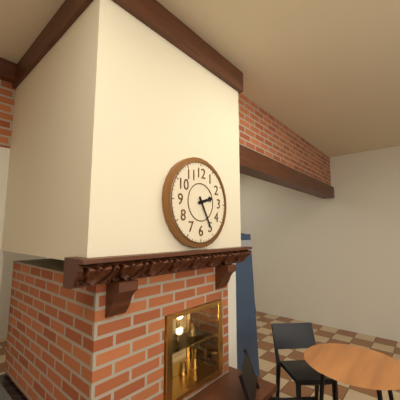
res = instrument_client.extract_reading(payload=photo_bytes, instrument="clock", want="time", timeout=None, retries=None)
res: 2:25
